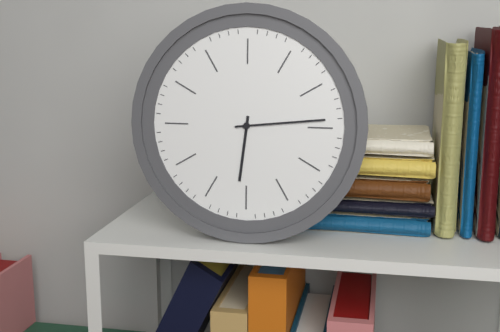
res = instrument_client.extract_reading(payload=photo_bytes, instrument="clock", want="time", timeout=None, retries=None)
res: 6:14
